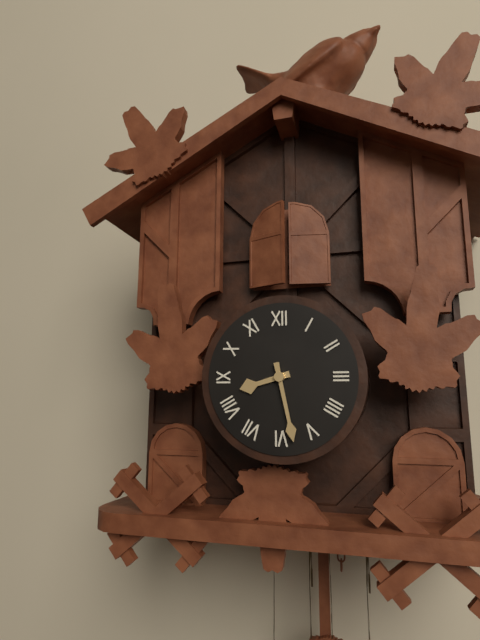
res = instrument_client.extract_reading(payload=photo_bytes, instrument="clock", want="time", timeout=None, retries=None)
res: 8:28
